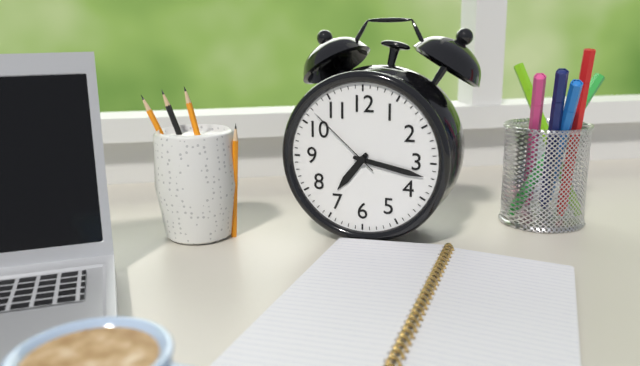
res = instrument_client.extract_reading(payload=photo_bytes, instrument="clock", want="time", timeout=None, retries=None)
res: 7:17:52
